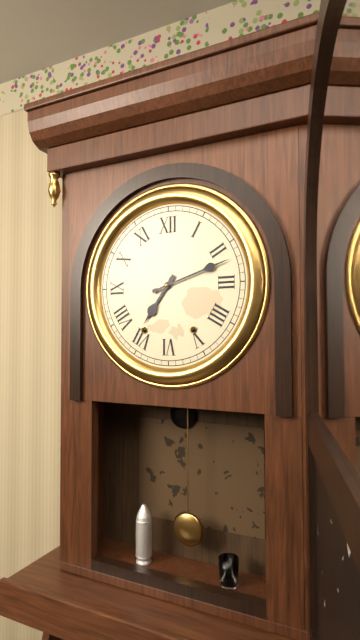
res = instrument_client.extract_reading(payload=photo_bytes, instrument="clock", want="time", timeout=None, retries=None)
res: 7:12
